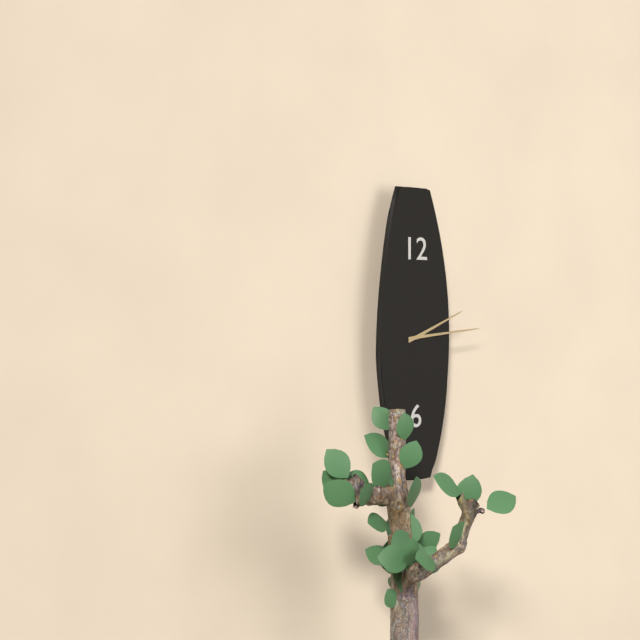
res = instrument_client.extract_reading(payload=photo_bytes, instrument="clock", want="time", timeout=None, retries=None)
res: 2:14
